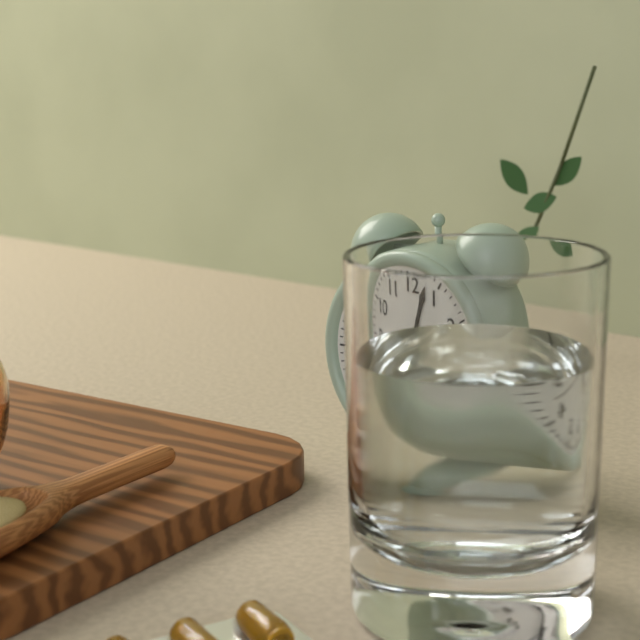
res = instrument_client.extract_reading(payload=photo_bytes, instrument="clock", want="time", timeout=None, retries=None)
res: 7:03:17
